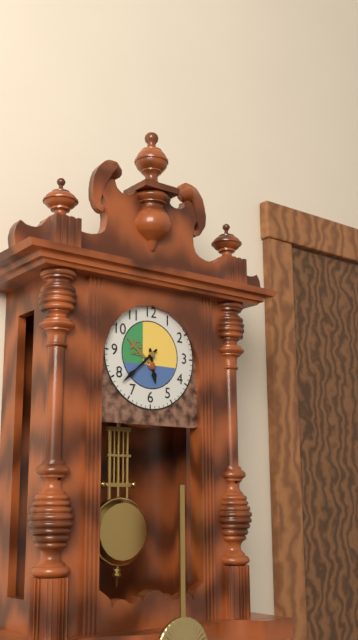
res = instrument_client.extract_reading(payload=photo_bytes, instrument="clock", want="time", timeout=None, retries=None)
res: 5:38
